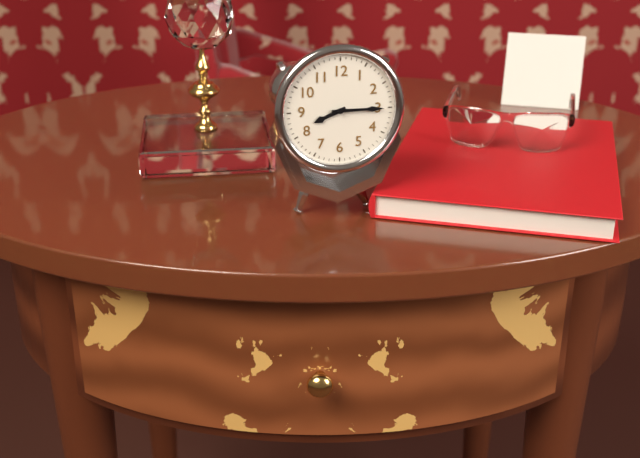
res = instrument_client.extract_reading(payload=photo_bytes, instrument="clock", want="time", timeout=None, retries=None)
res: 8:15
